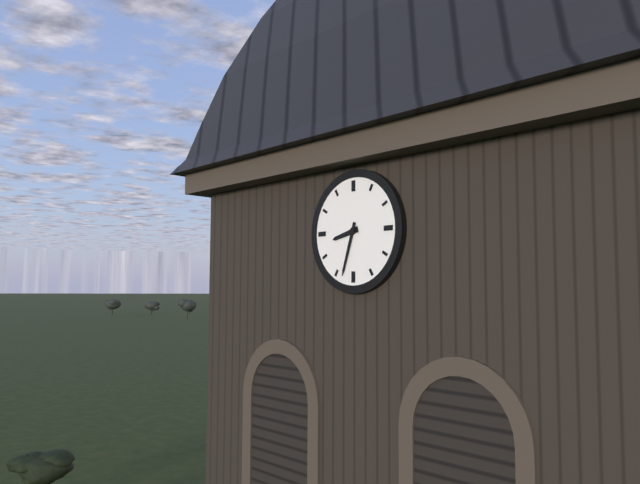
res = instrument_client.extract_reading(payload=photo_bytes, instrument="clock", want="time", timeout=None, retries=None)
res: 8:33
